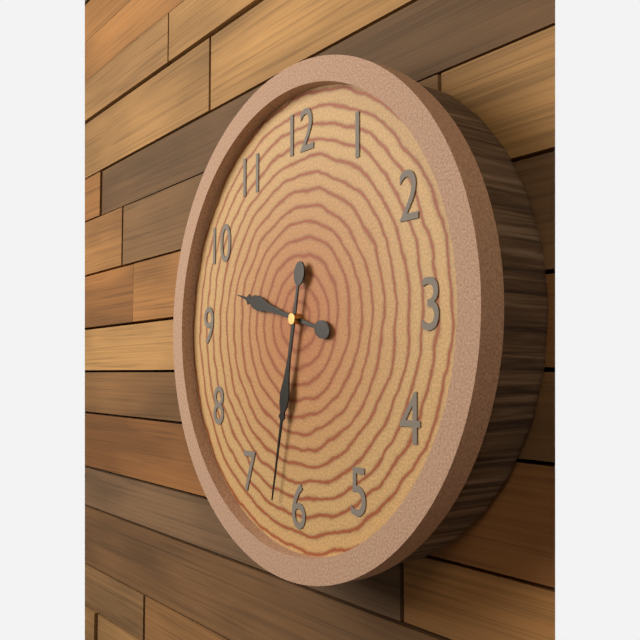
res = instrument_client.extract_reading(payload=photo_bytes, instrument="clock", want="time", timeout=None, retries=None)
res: 9:32
